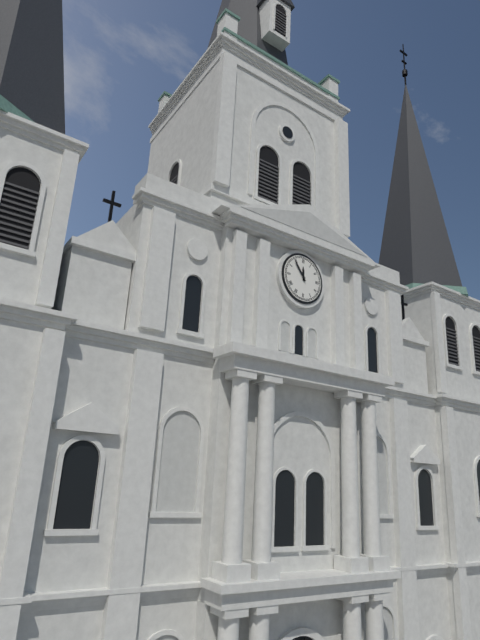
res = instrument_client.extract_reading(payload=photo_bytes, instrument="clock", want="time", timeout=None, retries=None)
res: 11:54
